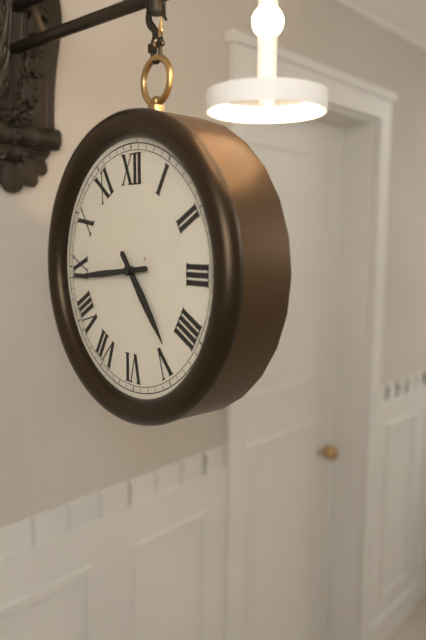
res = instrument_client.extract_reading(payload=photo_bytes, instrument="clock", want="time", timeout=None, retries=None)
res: 4:44
